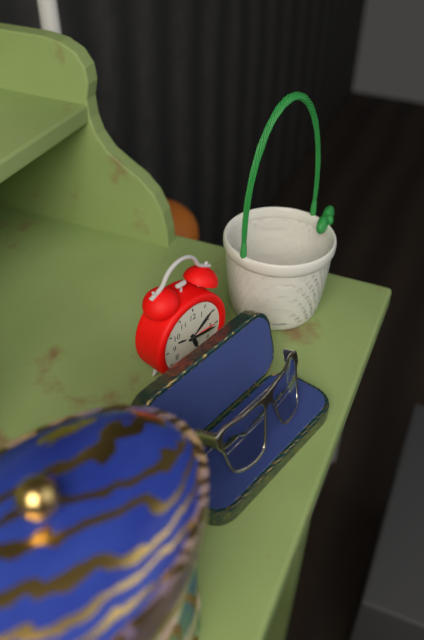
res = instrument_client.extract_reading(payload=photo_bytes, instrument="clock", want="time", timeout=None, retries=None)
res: 5:16
